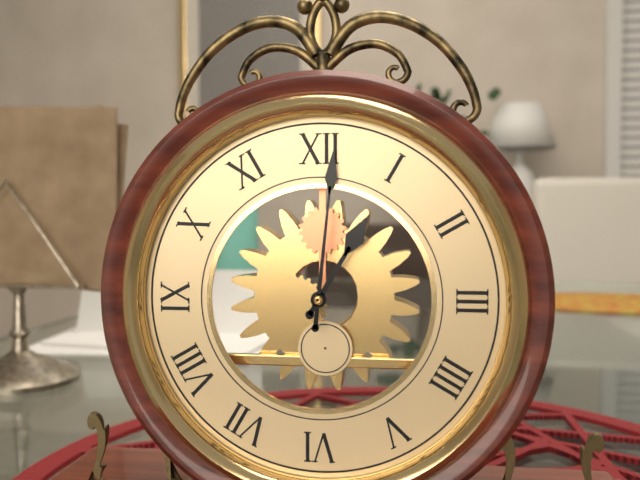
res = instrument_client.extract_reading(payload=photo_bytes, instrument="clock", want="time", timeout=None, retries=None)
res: 1:01
